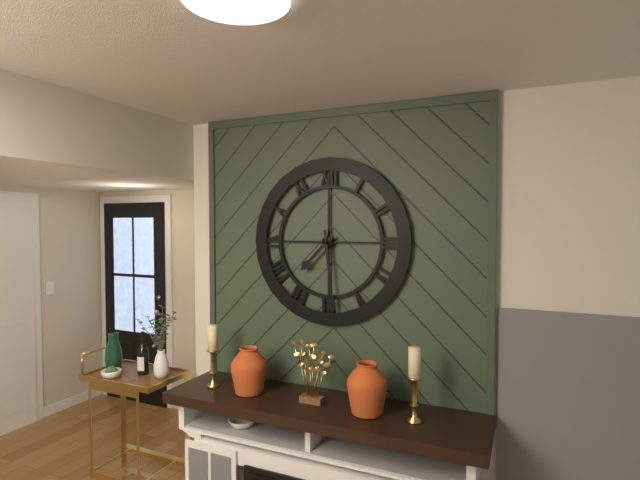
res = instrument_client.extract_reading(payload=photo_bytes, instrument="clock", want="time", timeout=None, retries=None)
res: 7:29
